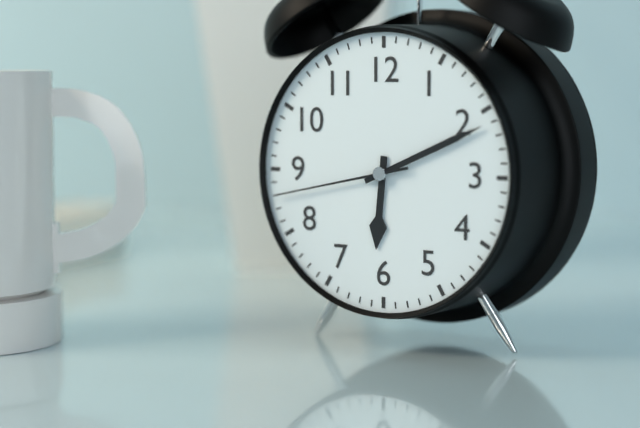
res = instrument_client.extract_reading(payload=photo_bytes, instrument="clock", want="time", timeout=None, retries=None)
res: 6:11:43
